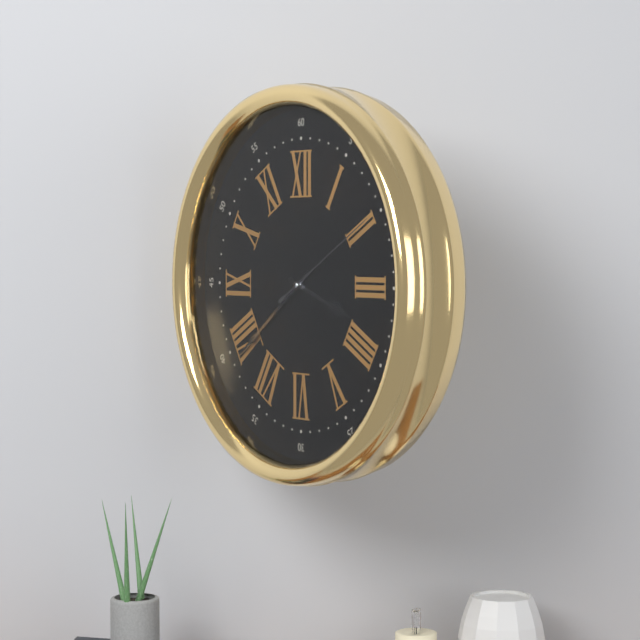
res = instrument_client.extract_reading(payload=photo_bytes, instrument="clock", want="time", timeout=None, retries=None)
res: 3:39:10
